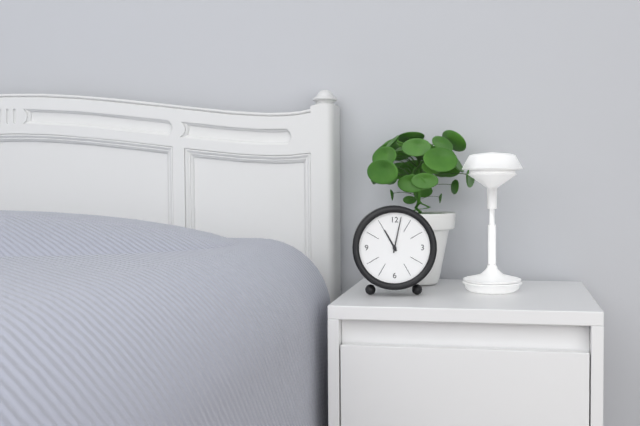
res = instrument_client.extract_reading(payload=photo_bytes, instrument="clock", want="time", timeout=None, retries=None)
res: 11:02
